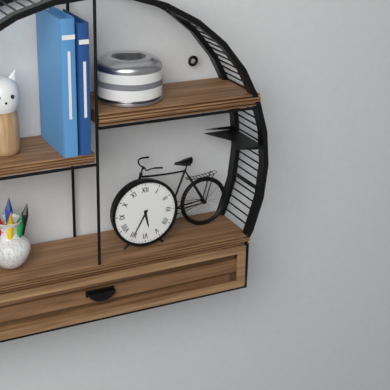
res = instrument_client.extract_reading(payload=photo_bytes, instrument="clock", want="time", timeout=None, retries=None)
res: 5:35
